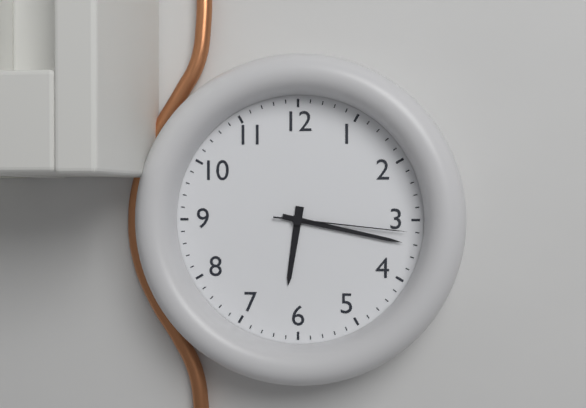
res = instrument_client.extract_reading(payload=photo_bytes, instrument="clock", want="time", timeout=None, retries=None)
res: 6:17:16
